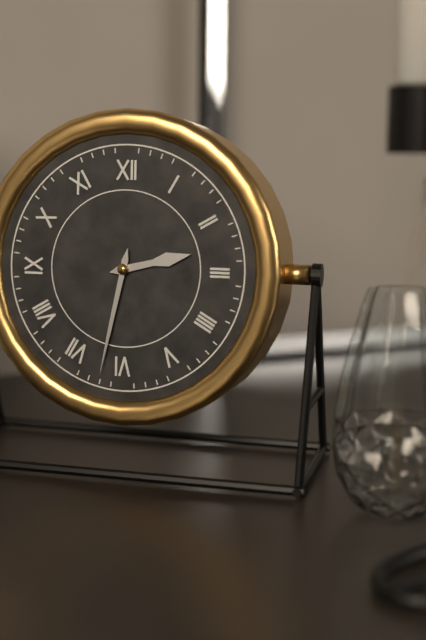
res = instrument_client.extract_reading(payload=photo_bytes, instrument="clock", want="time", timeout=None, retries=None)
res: 2:32
